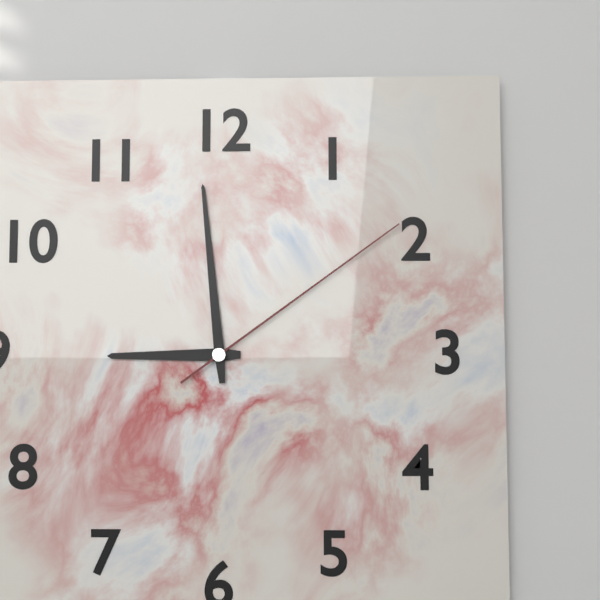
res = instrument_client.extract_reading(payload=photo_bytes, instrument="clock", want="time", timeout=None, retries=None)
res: 8:59:09
